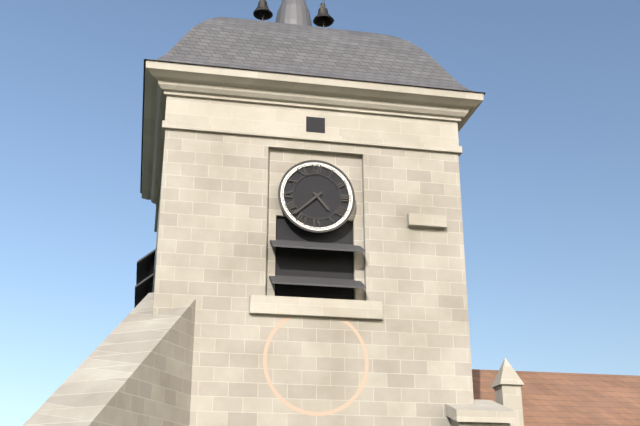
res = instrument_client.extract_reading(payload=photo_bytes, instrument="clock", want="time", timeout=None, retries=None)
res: 4:38
